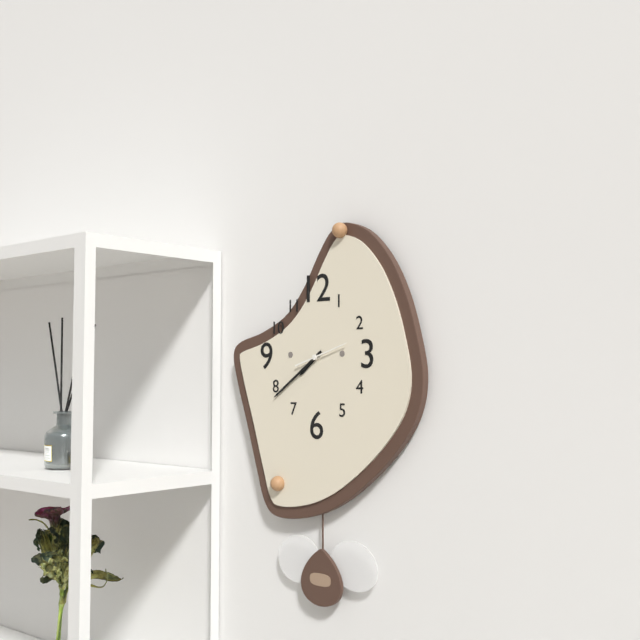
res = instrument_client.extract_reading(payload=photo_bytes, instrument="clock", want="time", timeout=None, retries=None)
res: 7:39
